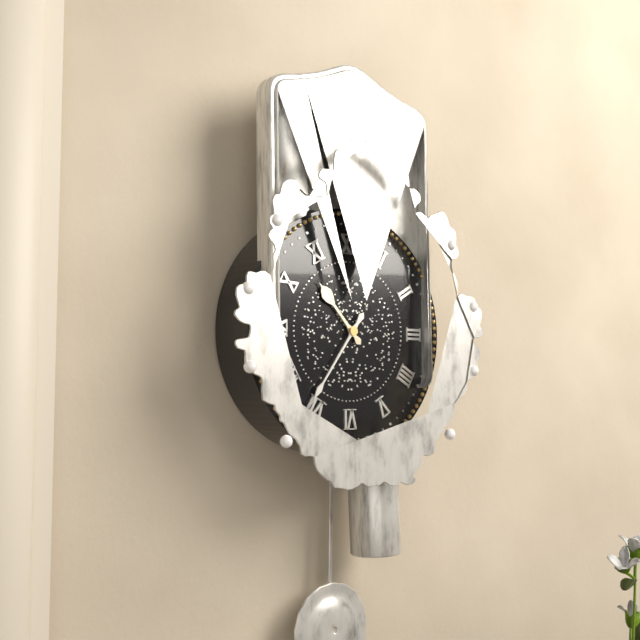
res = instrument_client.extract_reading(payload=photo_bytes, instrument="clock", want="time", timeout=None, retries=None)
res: 10:36
